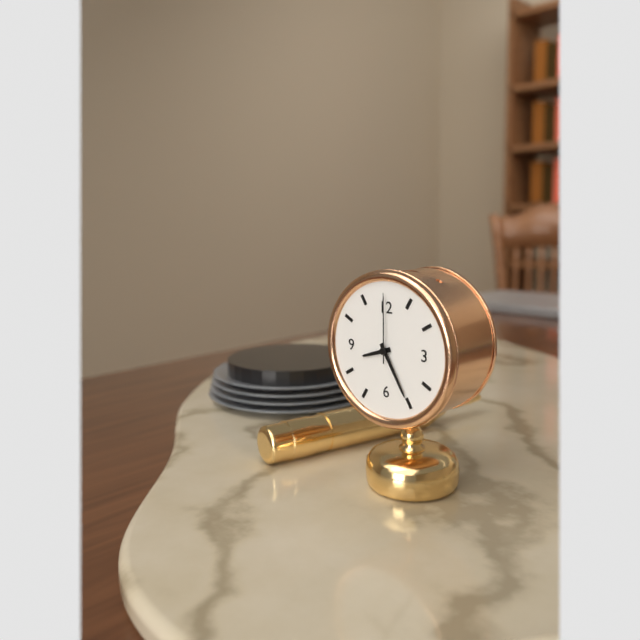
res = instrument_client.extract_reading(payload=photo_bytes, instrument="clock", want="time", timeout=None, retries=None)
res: 8:25:00
